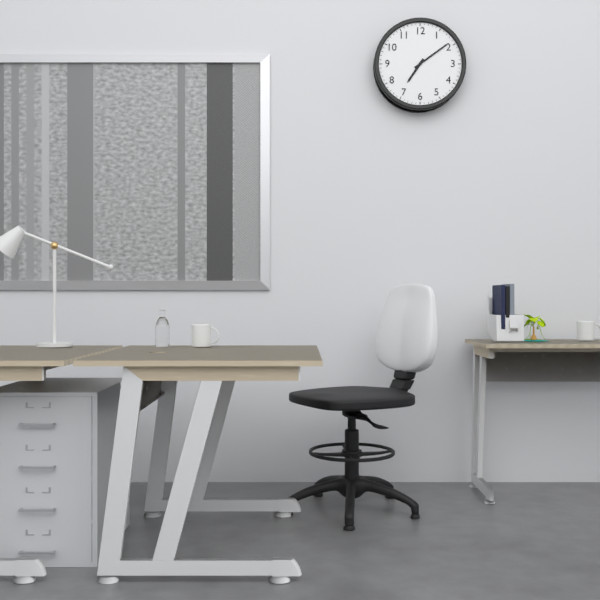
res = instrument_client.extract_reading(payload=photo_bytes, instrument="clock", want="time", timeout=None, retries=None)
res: 7:09
